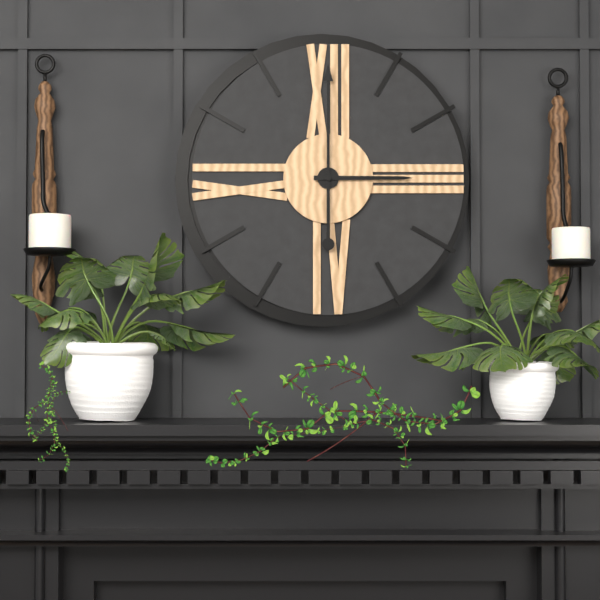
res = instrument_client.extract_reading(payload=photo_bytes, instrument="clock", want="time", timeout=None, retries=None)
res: 3:00
